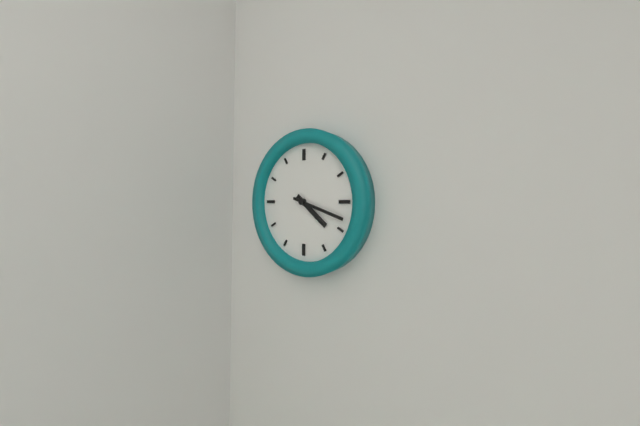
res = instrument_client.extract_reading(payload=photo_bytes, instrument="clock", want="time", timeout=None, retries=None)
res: 4:18
